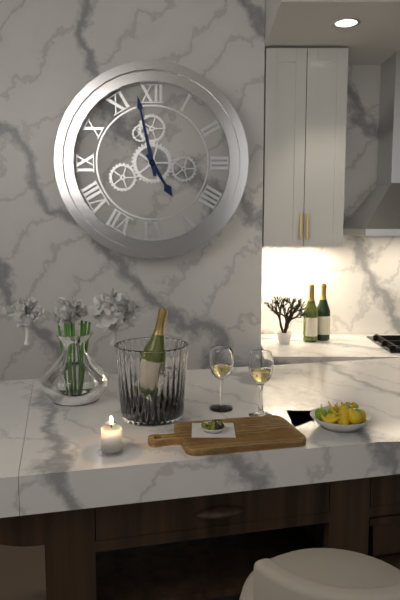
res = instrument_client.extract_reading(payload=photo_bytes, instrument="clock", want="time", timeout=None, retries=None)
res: 4:58
